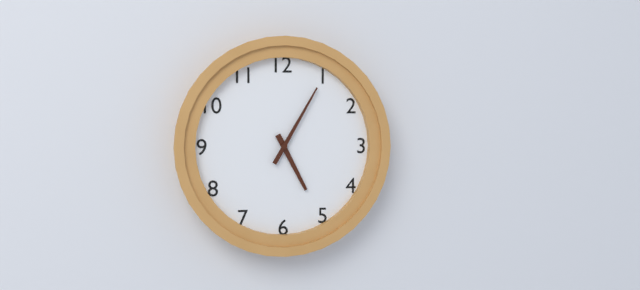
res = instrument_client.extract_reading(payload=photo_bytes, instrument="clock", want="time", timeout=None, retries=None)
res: 5:05
